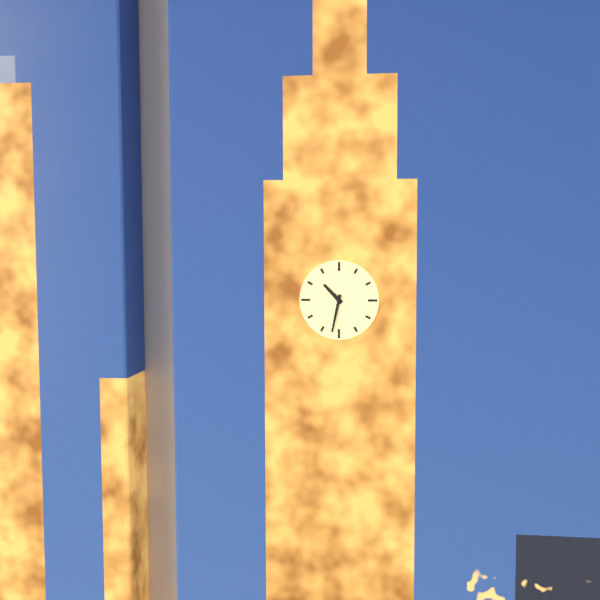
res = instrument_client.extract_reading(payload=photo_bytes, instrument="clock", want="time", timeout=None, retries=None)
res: 10:32
